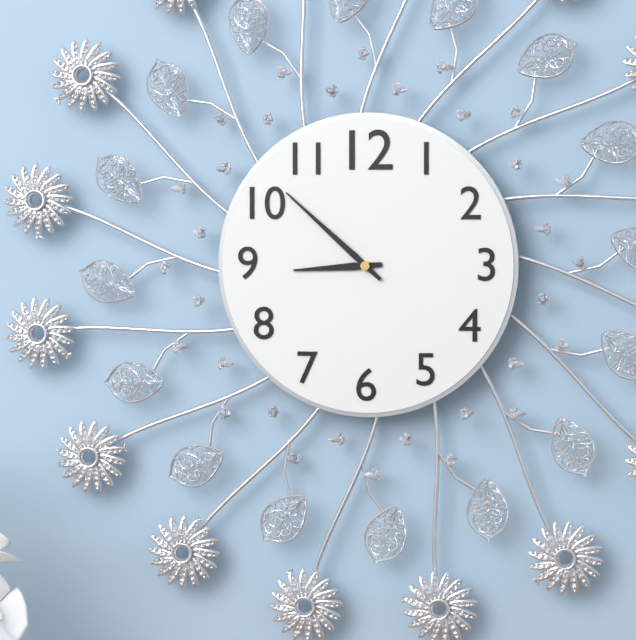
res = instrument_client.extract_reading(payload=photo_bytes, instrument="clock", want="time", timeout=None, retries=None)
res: 8:52
